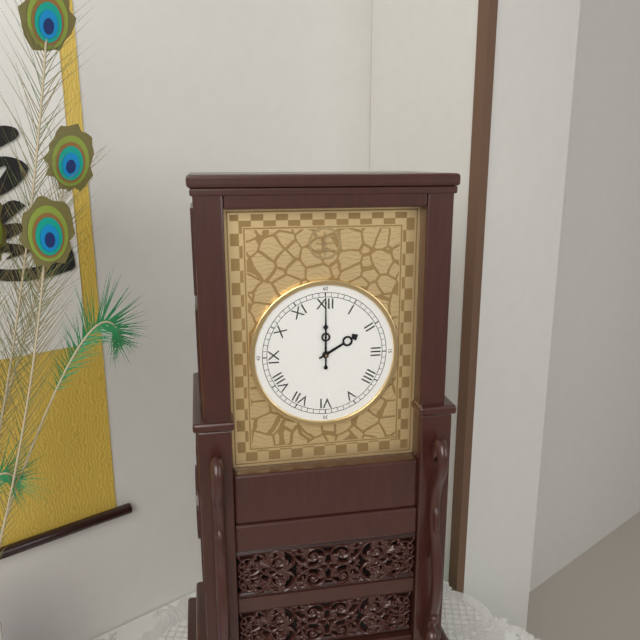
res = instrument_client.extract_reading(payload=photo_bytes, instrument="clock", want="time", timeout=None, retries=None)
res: 2:00
